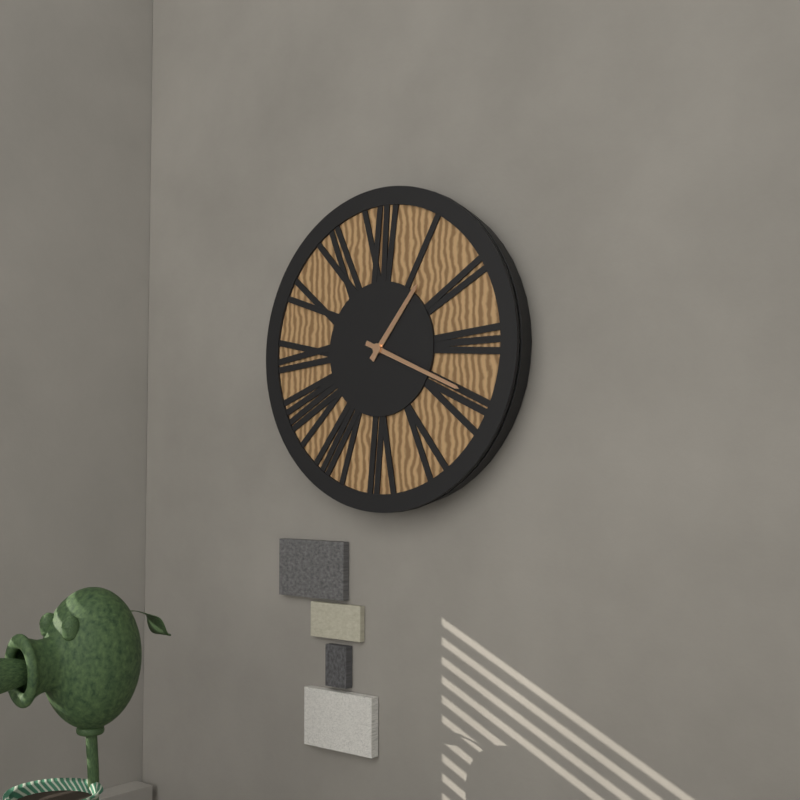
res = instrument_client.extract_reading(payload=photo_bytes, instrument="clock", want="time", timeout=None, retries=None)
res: 1:19
